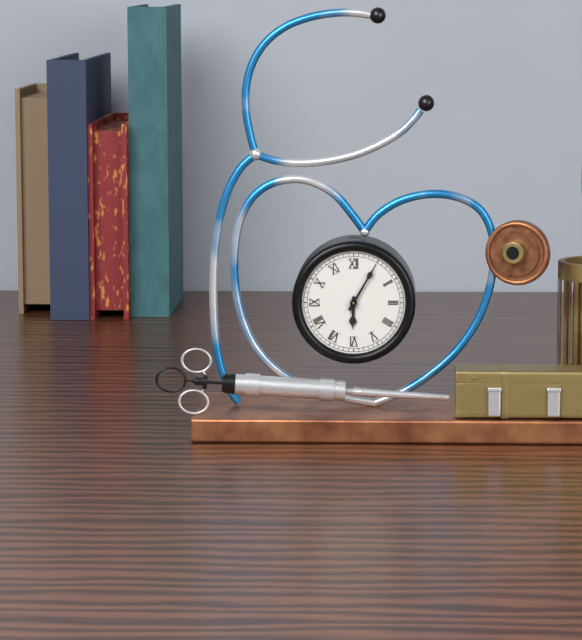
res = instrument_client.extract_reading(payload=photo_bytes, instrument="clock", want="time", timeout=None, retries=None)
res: 6:05
